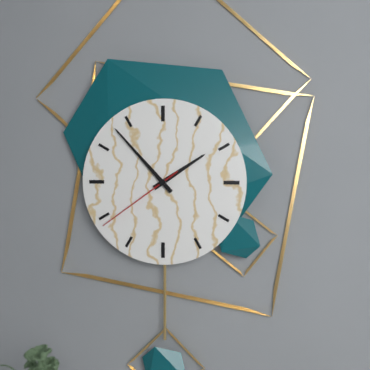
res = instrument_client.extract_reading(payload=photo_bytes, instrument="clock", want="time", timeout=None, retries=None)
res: 1:53:39
